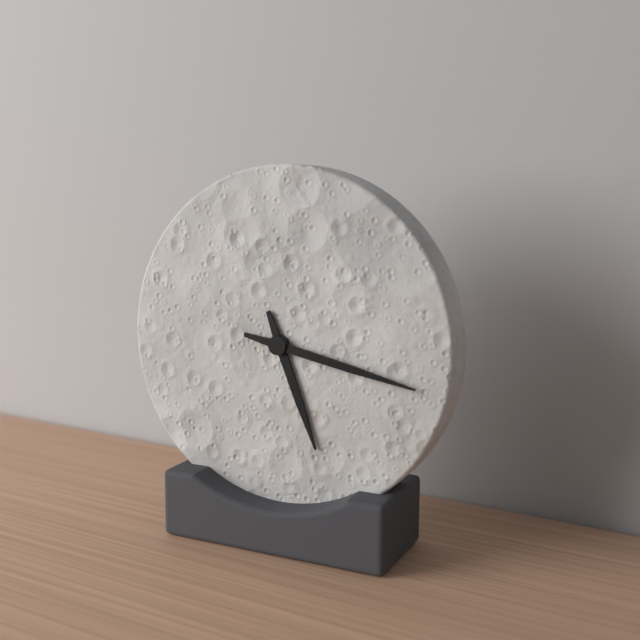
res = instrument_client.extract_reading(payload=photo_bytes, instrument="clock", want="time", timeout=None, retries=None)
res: 5:17
